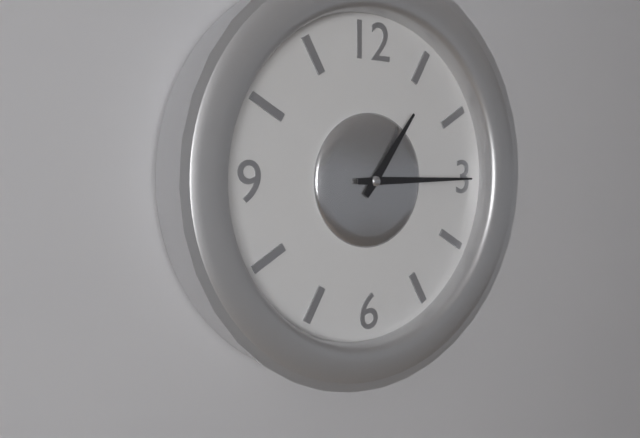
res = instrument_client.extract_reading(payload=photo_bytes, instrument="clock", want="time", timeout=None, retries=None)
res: 1:15
